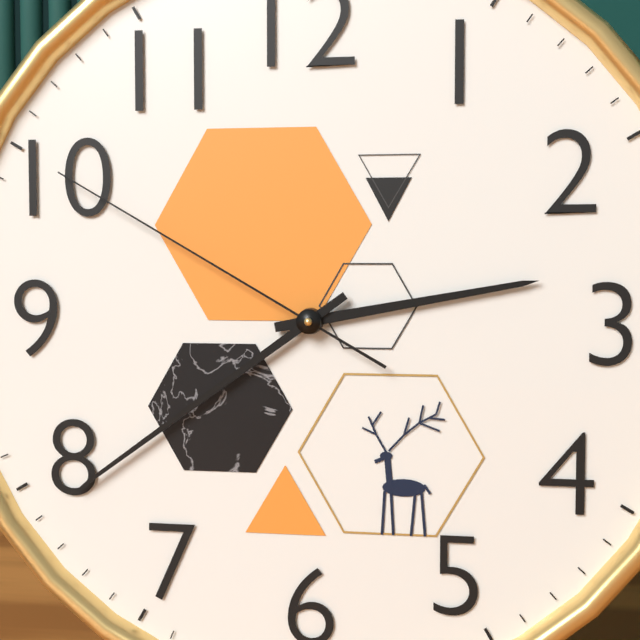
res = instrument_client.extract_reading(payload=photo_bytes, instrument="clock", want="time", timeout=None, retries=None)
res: 2:39:50
